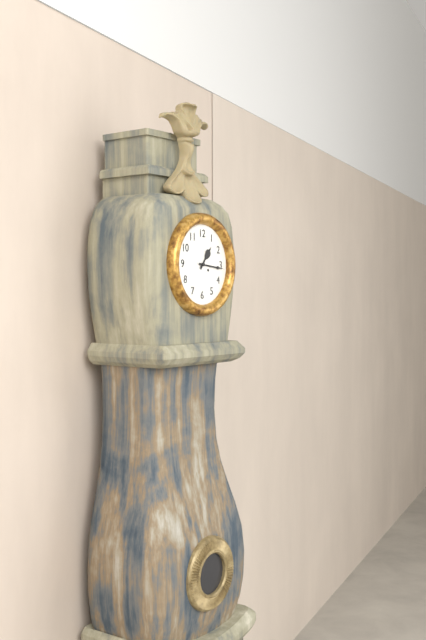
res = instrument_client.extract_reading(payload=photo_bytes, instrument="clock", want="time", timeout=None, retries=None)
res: 1:16
